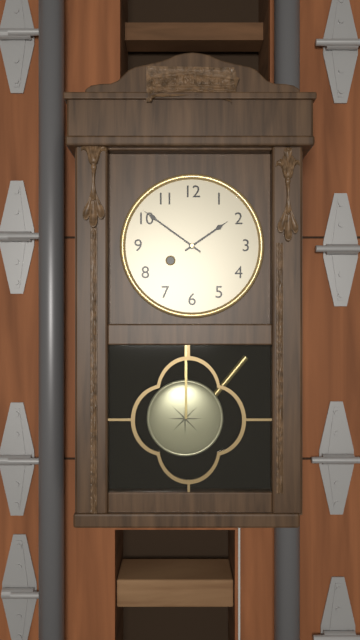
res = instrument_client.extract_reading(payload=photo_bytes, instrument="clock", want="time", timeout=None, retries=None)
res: 1:51
